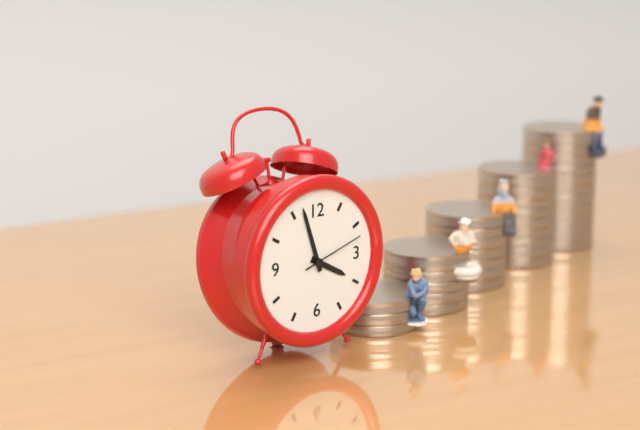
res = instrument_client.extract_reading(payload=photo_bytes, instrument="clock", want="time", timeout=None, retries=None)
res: 3:57:12
